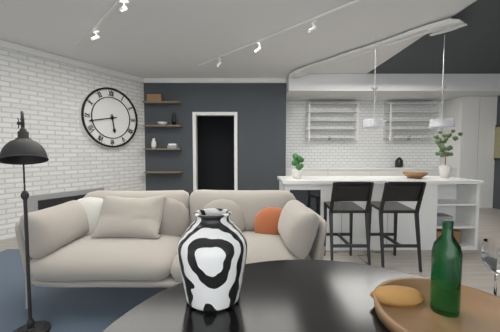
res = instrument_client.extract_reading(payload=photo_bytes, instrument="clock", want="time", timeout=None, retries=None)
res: 5:43
